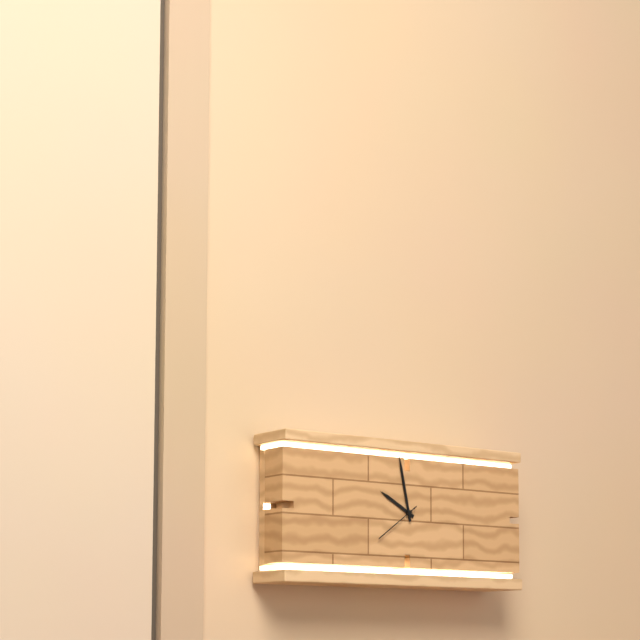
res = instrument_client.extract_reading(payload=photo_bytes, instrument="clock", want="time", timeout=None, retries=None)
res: 9:58
